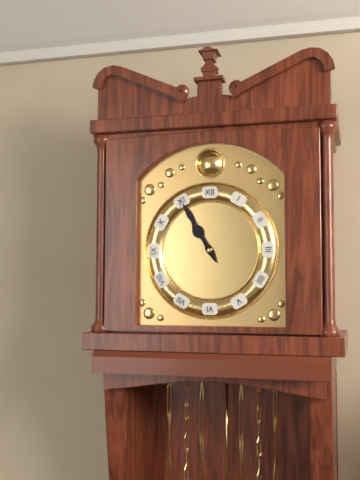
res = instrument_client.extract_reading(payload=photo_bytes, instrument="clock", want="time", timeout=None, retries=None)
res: 10:55
